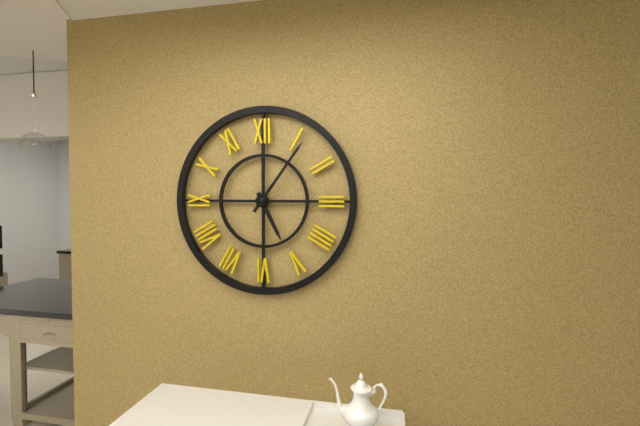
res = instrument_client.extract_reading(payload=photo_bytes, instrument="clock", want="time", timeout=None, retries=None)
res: 5:06
